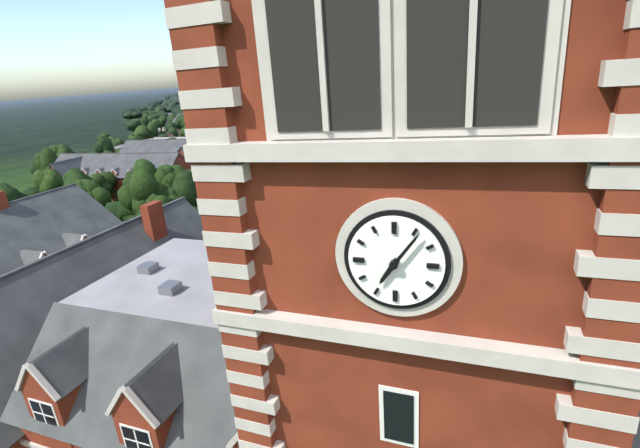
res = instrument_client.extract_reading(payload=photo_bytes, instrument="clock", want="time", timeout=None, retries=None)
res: 7:06
